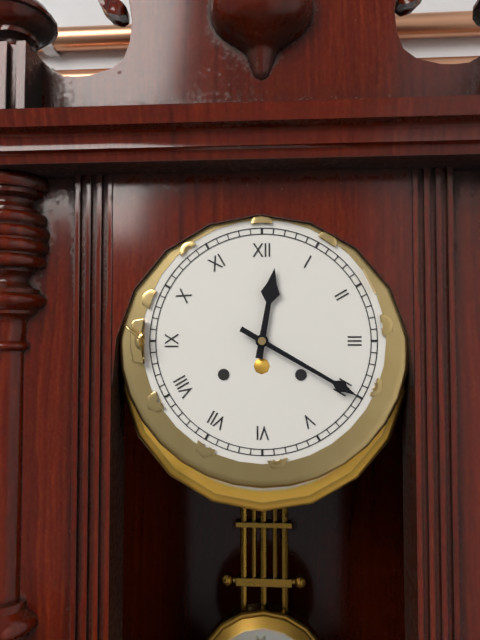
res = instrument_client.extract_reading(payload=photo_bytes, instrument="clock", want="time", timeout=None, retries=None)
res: 12:20
